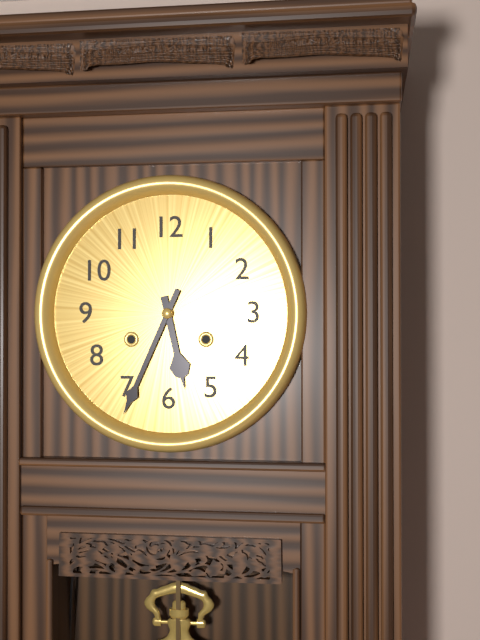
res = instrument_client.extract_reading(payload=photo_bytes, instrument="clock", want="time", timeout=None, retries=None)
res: 5:34
